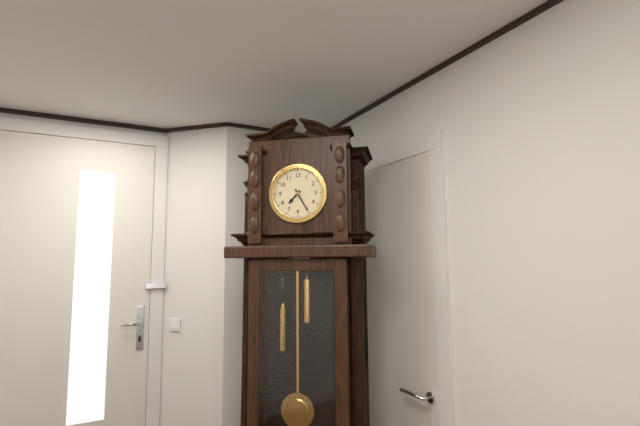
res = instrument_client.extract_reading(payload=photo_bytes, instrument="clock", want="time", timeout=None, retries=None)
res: 7:25
